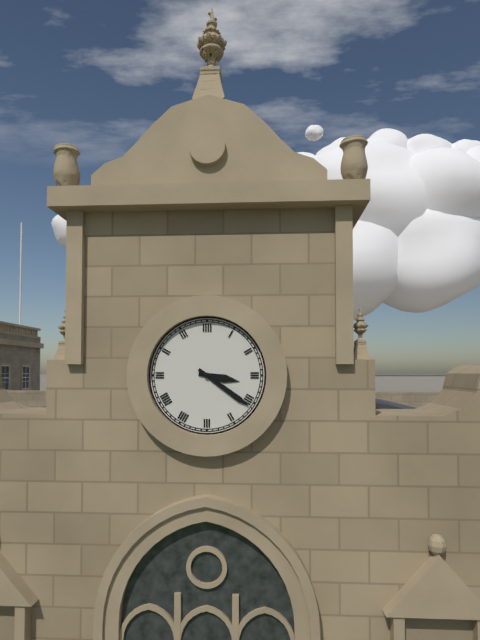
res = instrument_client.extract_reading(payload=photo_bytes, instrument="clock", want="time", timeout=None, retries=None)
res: 3:21
